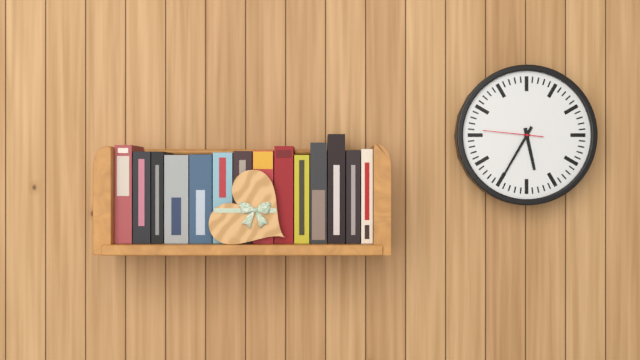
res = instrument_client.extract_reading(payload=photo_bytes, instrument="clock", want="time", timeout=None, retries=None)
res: 5:35:46
